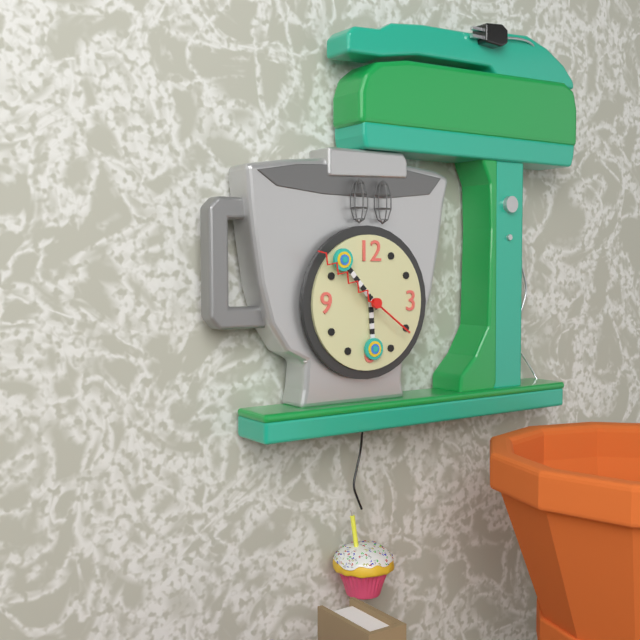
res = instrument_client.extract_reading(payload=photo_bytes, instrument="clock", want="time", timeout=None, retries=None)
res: 5:53:51
